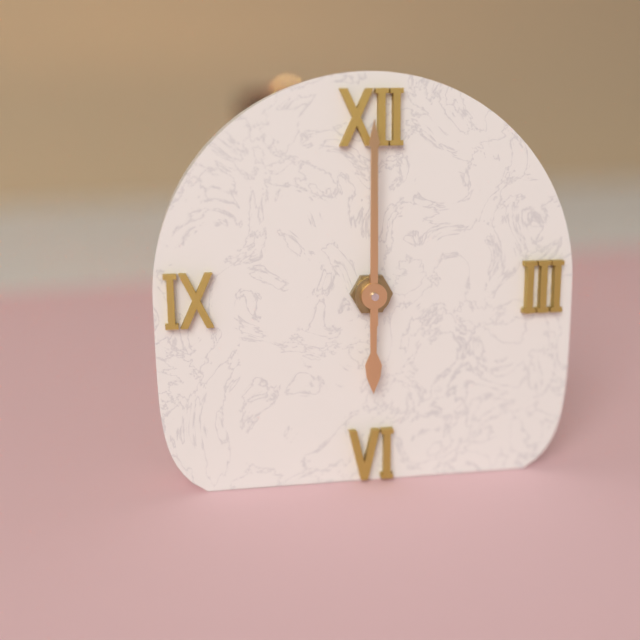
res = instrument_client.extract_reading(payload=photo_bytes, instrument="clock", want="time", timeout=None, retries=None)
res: 6:00
